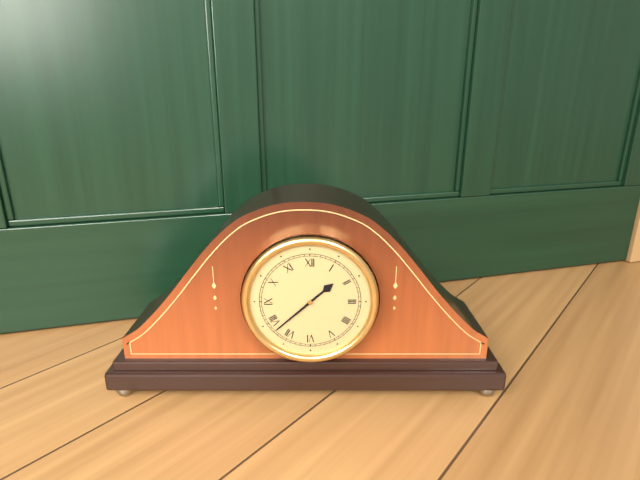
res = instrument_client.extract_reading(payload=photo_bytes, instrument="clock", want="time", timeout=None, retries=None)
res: 1:38
